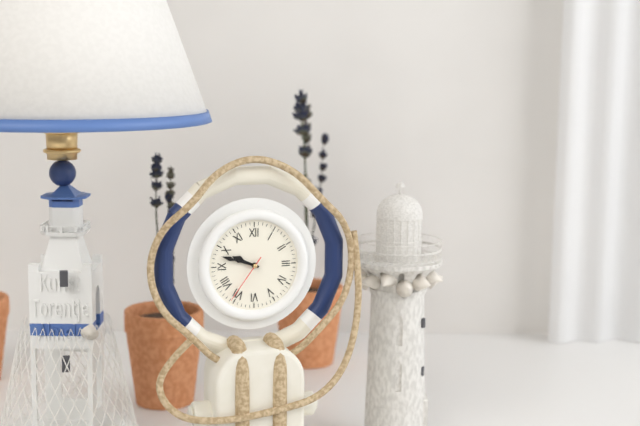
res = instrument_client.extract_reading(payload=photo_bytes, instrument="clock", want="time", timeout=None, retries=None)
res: 9:48:36
